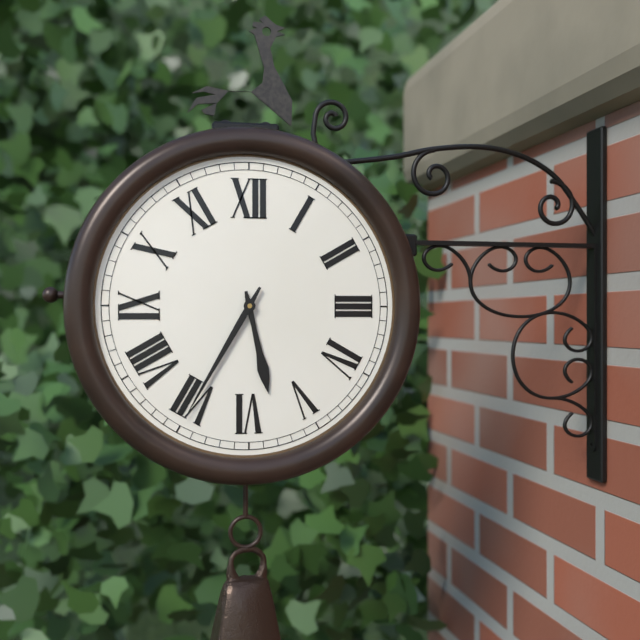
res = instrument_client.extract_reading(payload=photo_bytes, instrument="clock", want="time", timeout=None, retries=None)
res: 5:35
